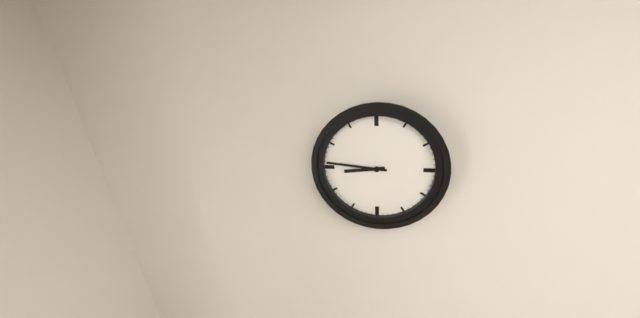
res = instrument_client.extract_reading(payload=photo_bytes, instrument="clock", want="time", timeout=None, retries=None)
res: 8:46
